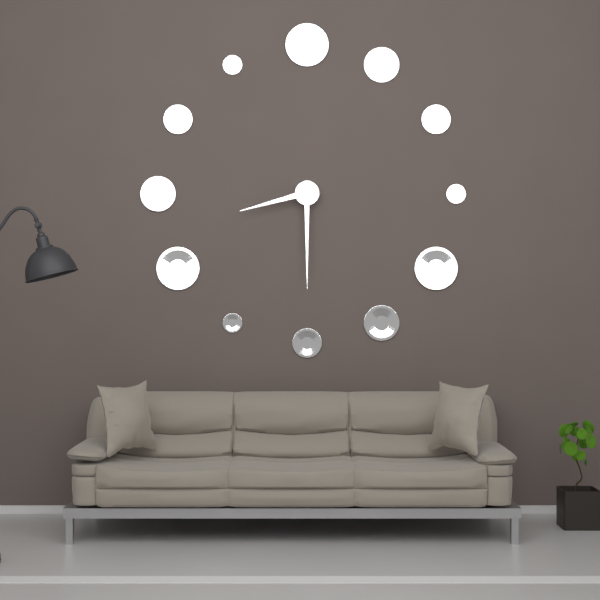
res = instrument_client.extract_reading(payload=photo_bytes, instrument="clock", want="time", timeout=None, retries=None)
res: 8:30
